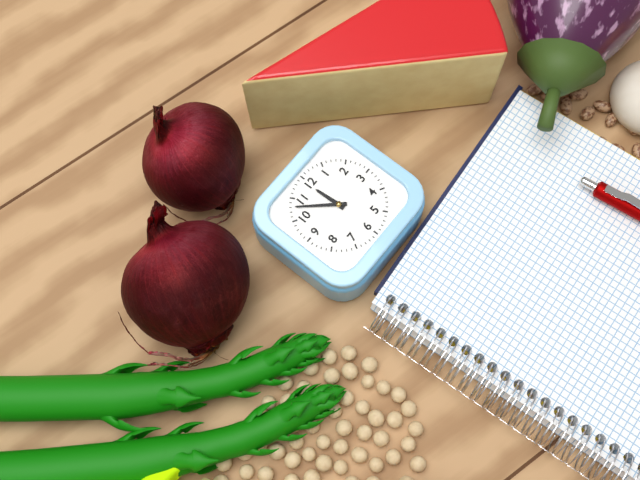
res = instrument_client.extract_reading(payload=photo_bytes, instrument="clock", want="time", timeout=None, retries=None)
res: 11:53
